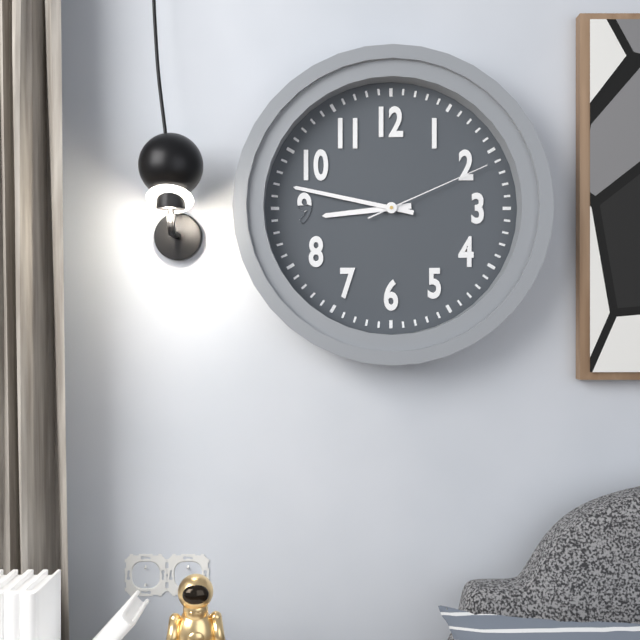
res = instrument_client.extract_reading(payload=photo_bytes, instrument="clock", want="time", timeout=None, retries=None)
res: 8:47:11
